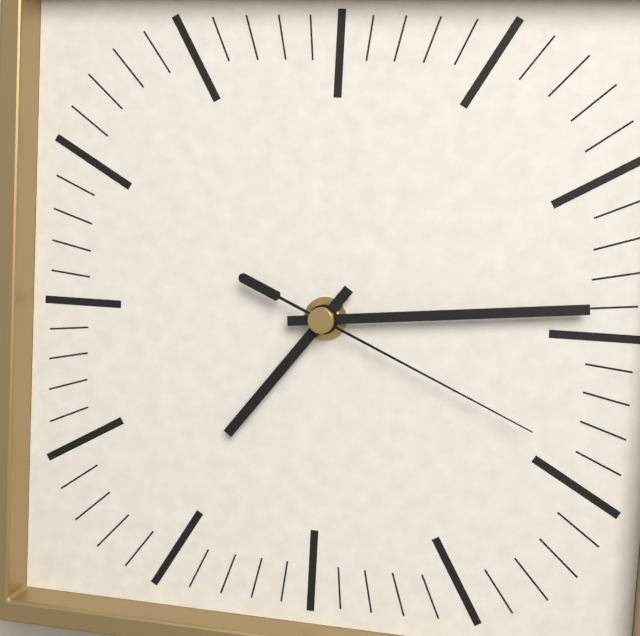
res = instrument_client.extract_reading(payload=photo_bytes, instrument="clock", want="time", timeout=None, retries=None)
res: 7:14:19
